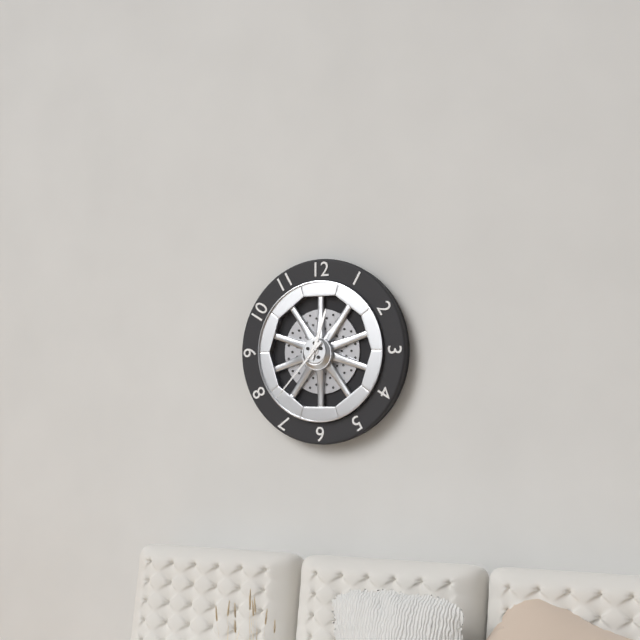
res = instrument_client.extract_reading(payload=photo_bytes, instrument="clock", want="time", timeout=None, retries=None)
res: 12:37
